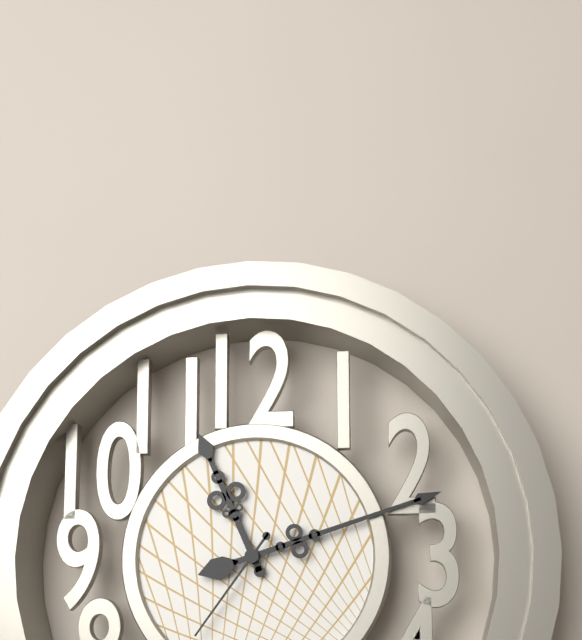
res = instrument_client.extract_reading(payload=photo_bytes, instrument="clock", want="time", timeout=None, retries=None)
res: 11:12:36
